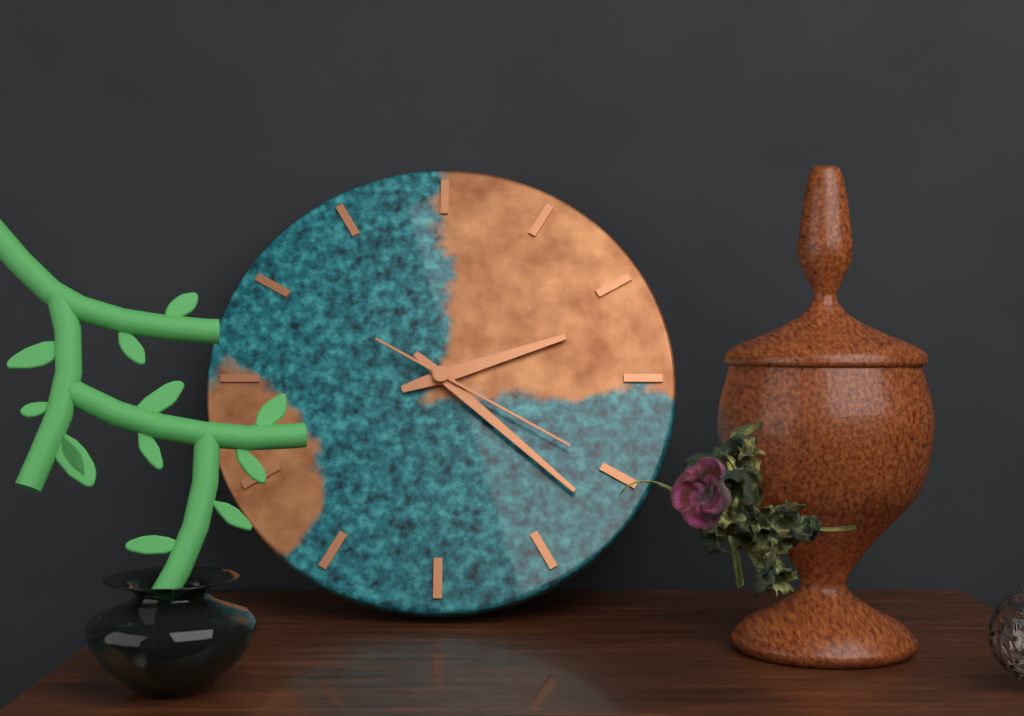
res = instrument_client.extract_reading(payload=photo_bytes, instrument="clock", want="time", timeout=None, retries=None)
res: 2:22:20
